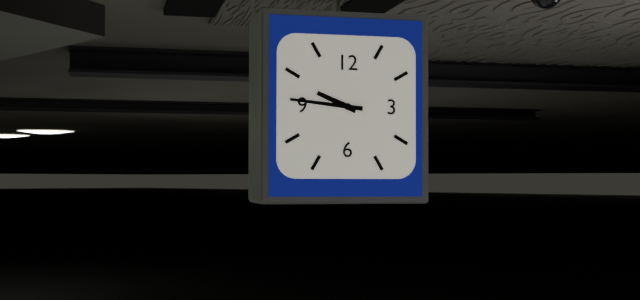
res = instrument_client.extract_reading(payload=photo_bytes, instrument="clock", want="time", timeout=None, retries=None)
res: 9:46
